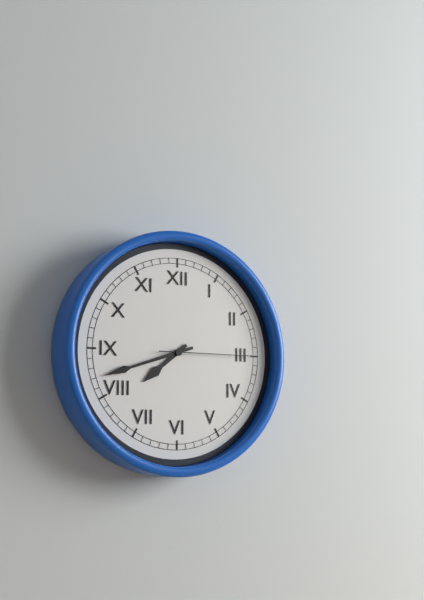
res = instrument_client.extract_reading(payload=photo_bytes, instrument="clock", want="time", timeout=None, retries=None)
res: 7:42:15
